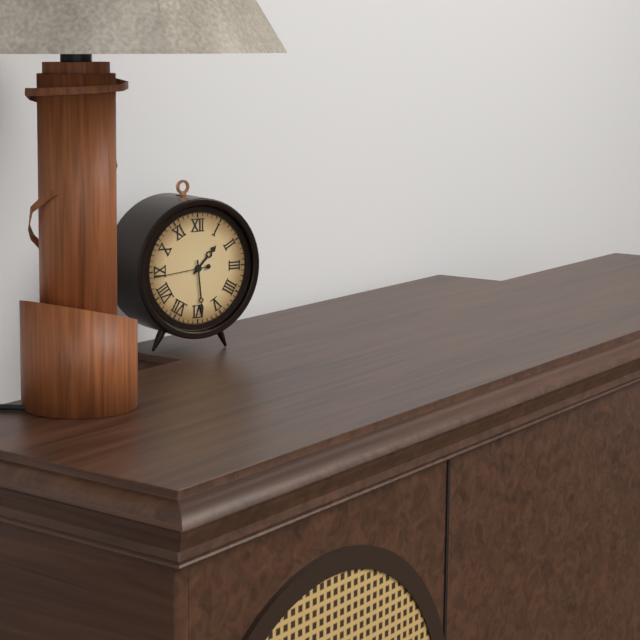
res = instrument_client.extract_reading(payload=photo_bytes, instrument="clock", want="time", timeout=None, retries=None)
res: 1:29:44
